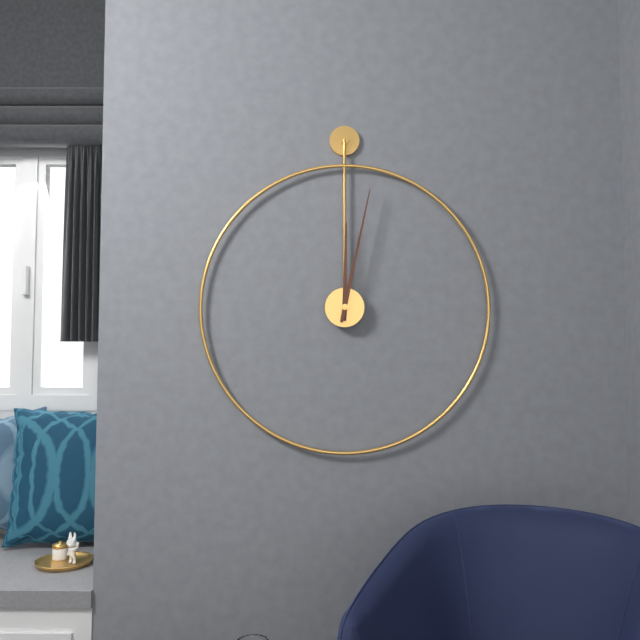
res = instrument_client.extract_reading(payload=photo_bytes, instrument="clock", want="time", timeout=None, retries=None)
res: 12:02
